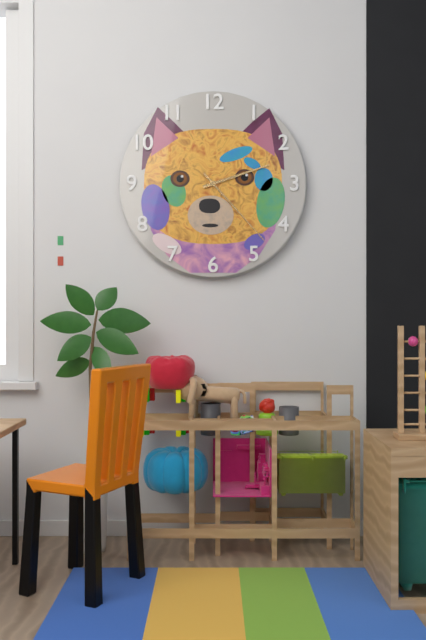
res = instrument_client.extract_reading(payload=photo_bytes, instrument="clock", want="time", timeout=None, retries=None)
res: 2:23
